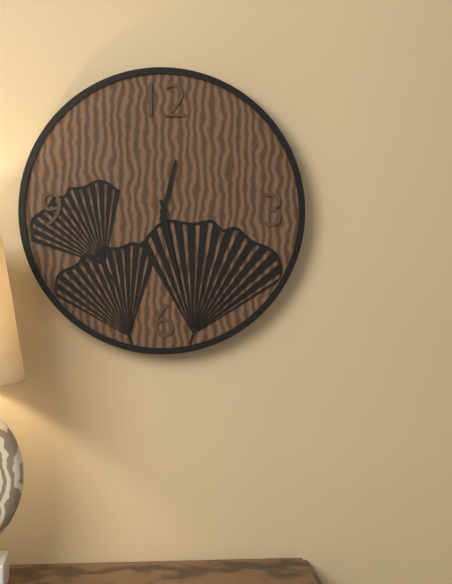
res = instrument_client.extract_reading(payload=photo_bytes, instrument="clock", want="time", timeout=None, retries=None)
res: 12:28
